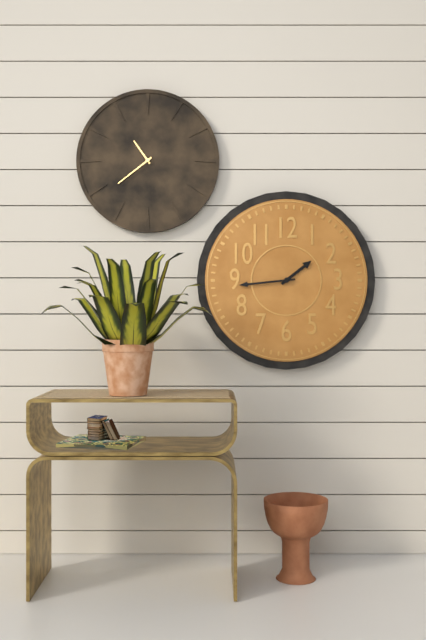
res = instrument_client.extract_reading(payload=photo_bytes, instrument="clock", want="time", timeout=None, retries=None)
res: 1:44
